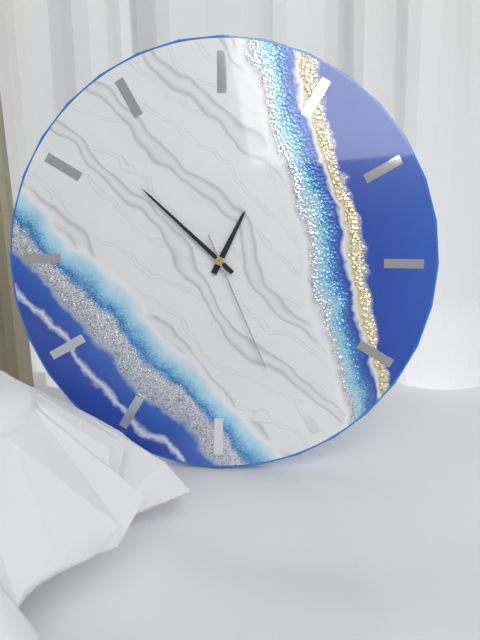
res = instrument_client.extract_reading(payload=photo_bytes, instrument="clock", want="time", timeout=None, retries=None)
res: 12:52:26
